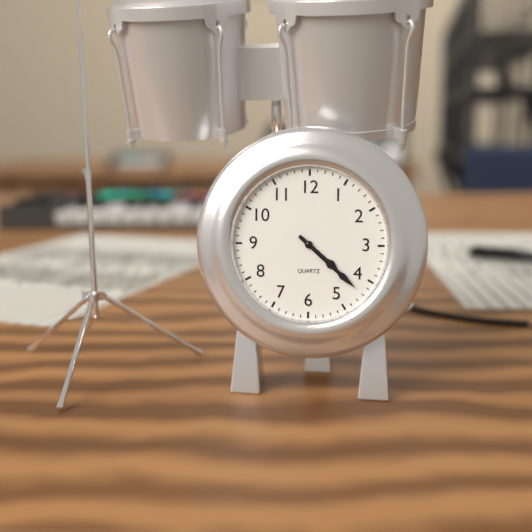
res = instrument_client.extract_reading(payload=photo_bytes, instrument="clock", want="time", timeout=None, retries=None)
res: 4:22
